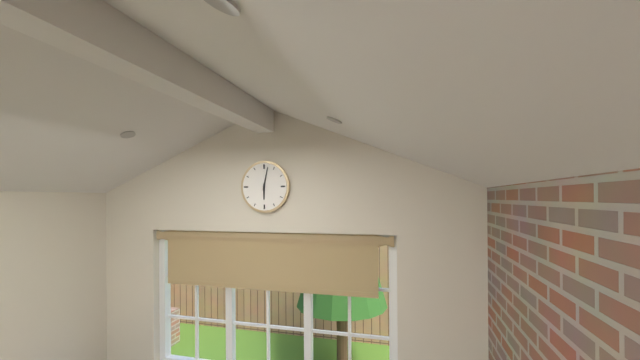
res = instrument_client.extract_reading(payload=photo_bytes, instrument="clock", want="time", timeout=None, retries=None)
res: 6:02
